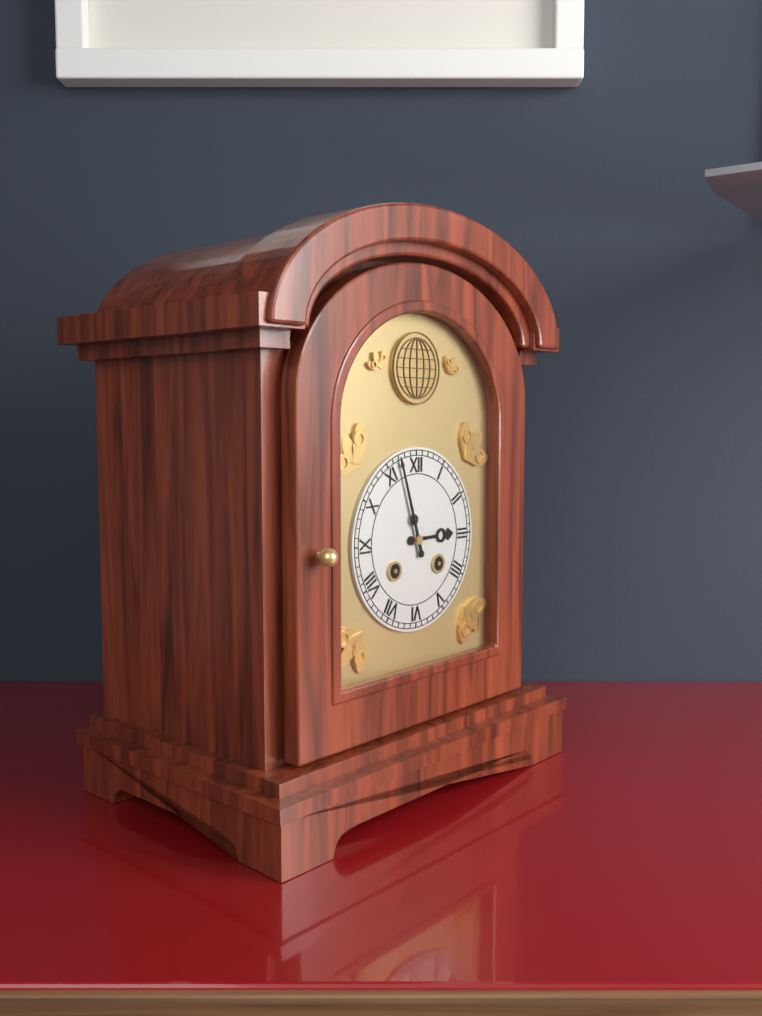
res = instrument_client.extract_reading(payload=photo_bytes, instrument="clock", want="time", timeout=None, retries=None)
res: 2:57
